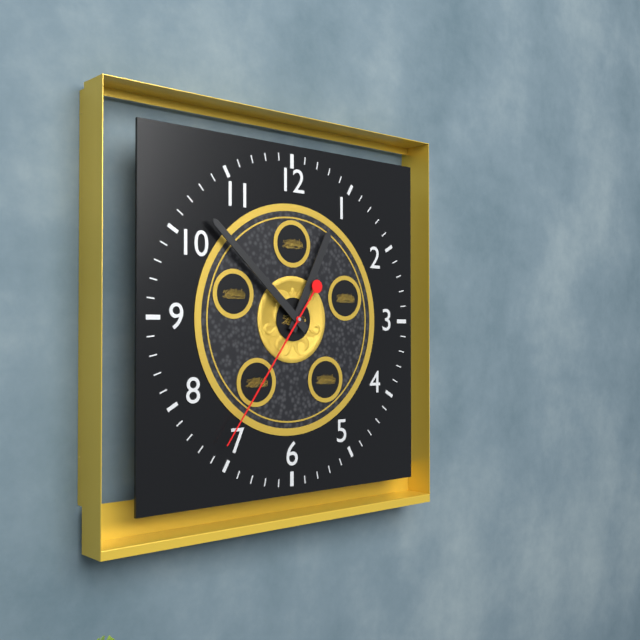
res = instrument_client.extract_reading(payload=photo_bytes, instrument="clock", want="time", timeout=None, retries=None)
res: 12:52:36
